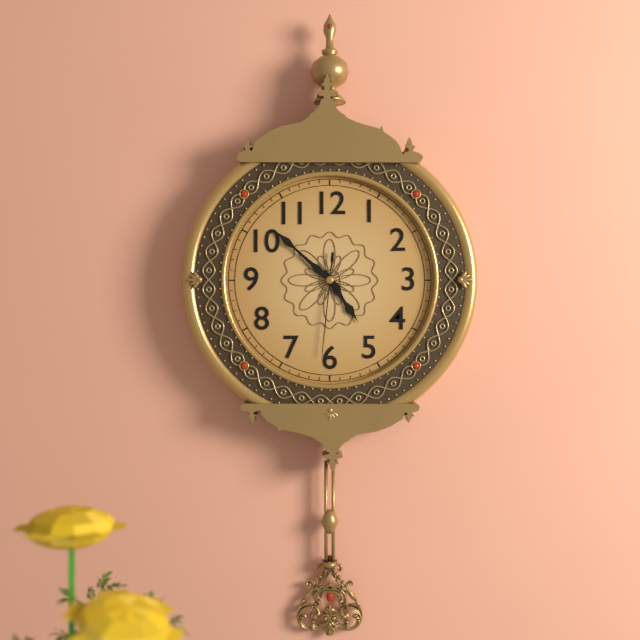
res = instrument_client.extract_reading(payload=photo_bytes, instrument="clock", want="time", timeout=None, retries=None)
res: 4:52:31
